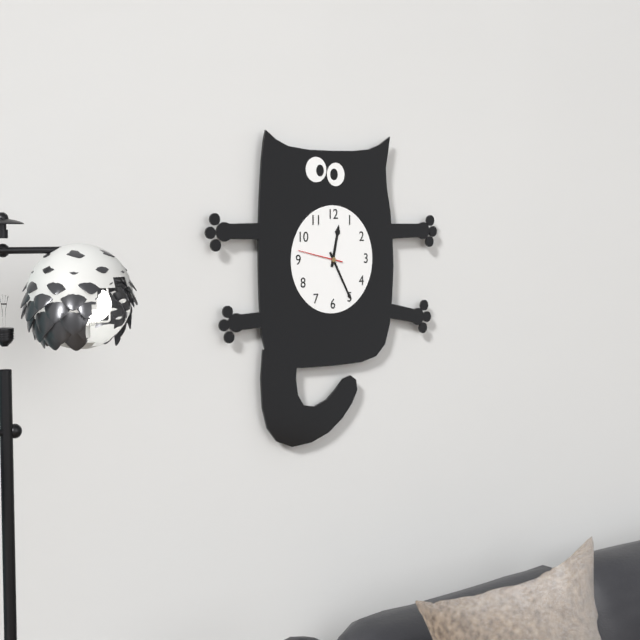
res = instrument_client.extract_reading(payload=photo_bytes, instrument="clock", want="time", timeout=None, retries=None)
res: 12:25
